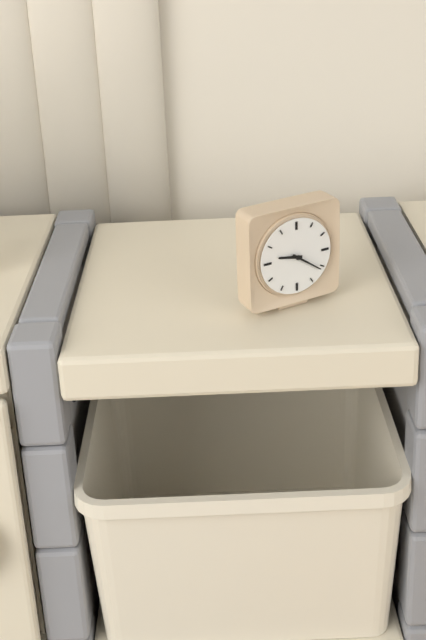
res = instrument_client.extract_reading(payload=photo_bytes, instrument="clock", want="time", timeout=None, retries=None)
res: 9:21
